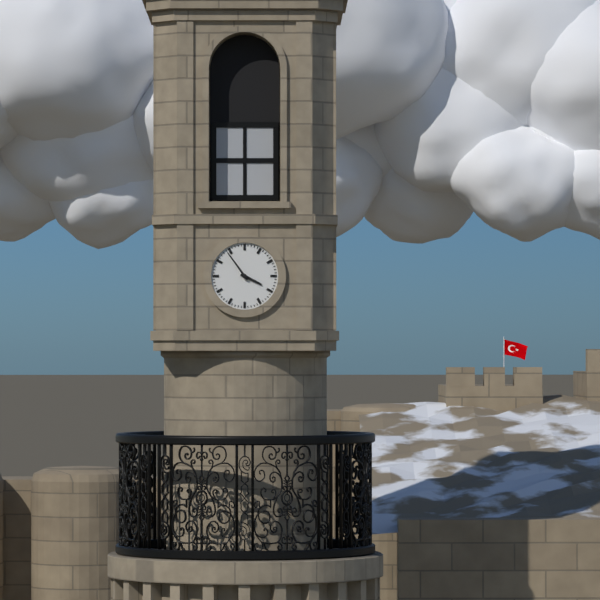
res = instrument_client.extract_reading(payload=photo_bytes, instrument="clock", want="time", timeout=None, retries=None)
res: 3:54
